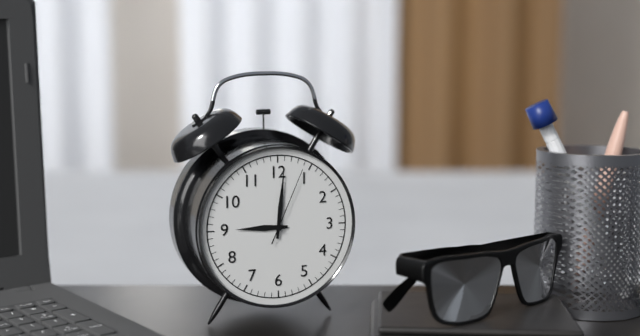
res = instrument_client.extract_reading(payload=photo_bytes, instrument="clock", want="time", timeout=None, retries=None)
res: 9:01:04
